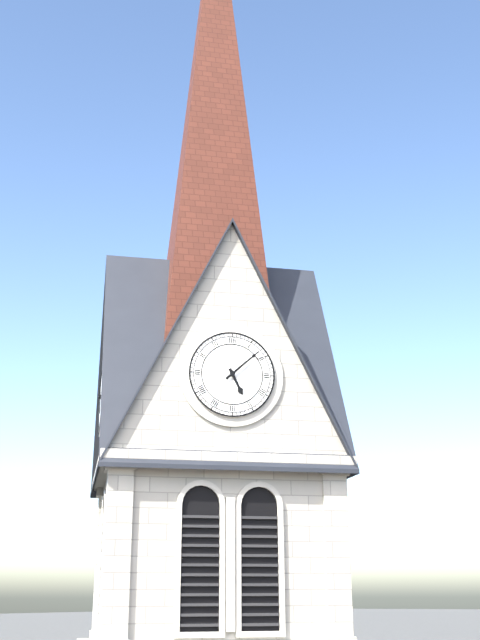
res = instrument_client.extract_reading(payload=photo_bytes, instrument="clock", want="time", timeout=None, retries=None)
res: 5:08
